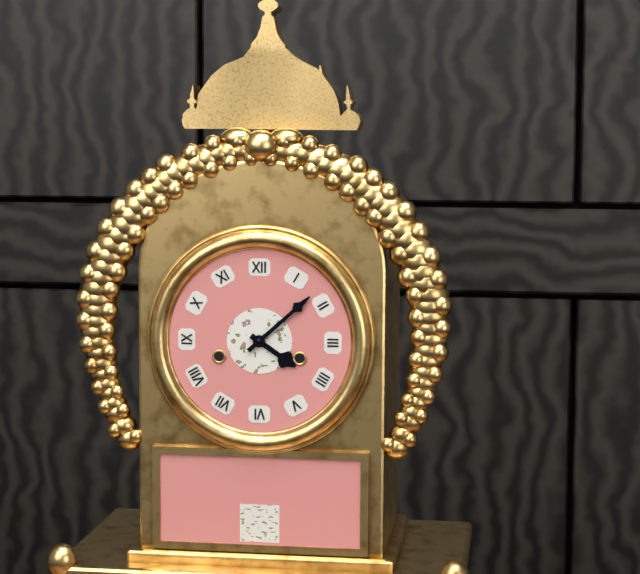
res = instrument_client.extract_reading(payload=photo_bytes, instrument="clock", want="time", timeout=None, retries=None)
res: 4:08
